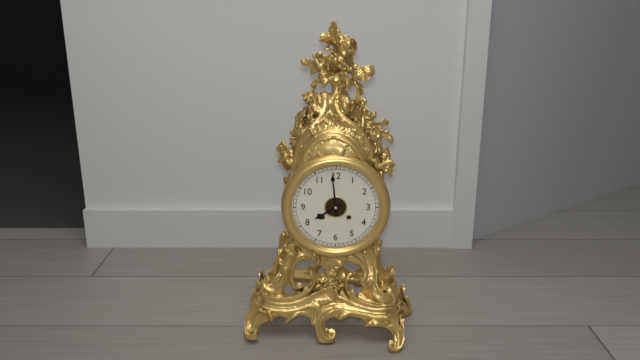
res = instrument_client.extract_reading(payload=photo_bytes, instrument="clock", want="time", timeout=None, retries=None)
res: 7:59
